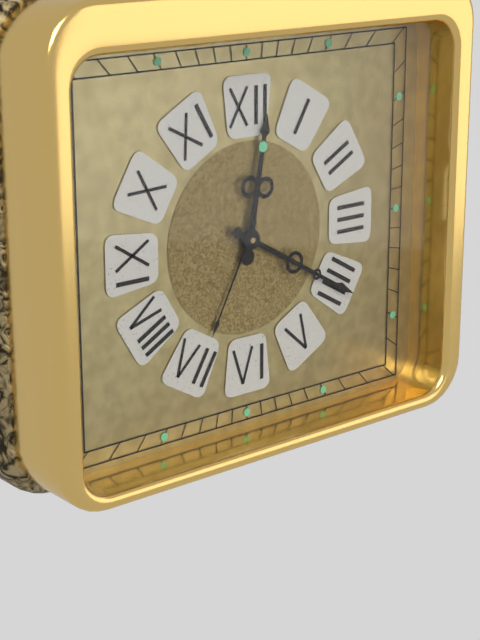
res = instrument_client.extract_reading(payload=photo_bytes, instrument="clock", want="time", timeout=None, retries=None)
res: 12:20
